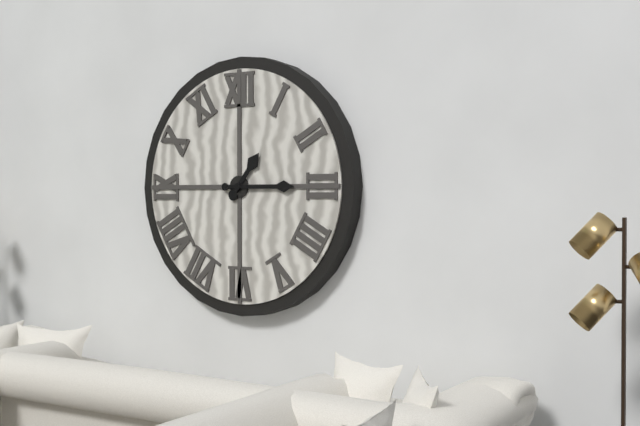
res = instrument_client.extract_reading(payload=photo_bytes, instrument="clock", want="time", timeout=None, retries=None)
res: 1:15
